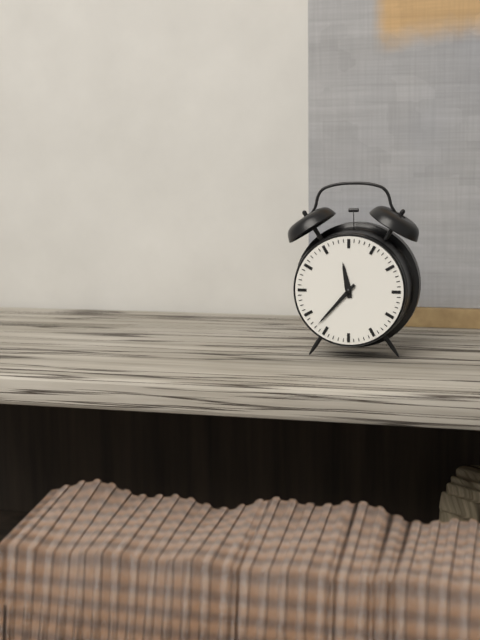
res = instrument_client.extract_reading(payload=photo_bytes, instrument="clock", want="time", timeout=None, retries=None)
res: 11:37
